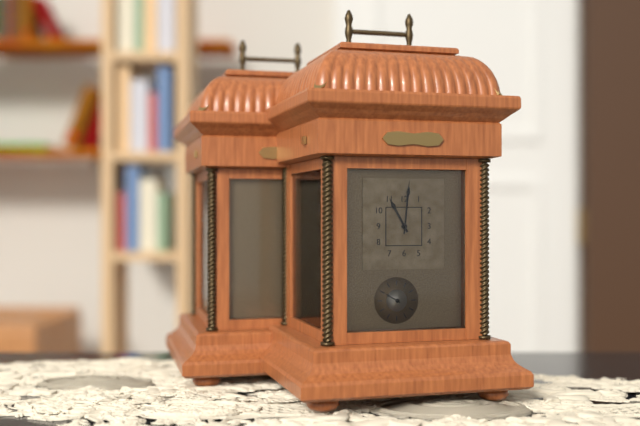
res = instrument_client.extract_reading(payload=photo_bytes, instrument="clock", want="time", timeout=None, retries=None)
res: 11:01
